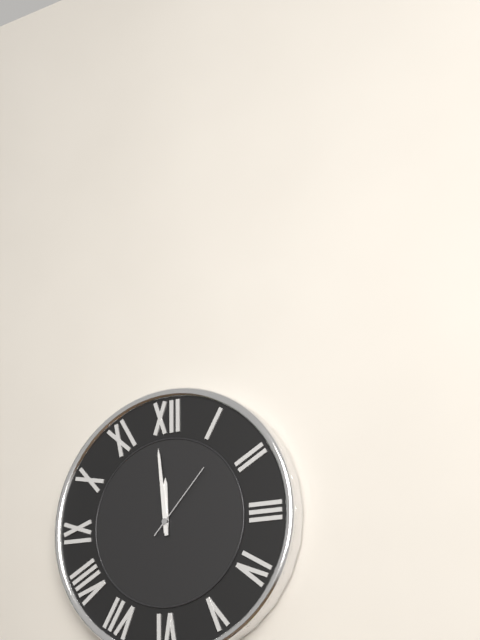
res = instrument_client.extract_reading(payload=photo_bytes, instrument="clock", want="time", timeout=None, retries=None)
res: 11:59:07
